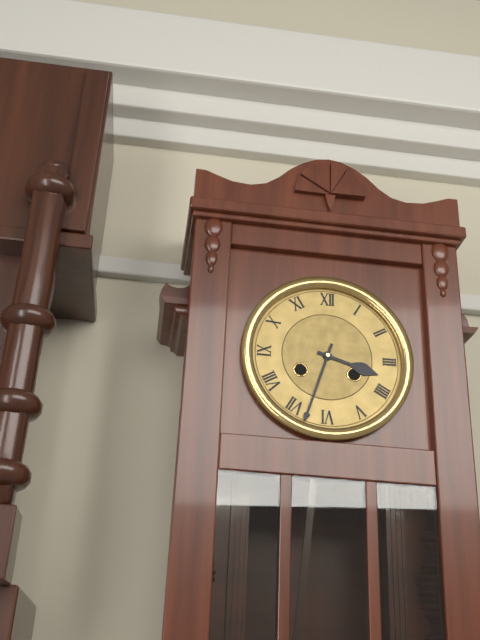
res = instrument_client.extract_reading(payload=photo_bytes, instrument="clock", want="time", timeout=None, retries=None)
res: 3:33
